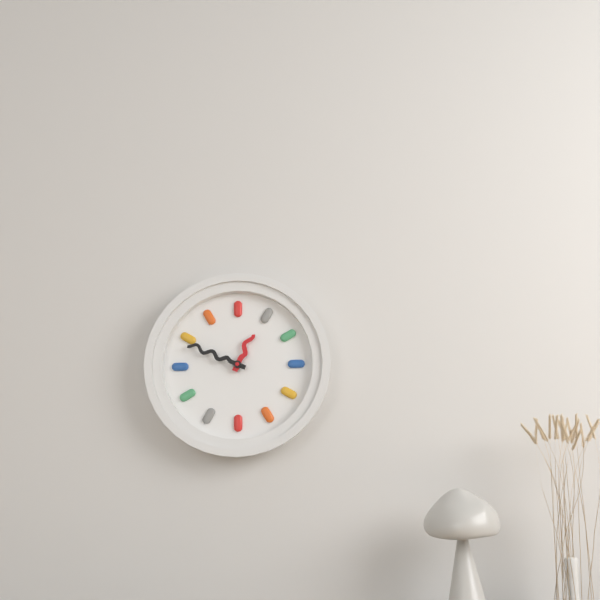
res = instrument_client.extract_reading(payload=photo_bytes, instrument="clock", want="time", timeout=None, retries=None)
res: 12:49
